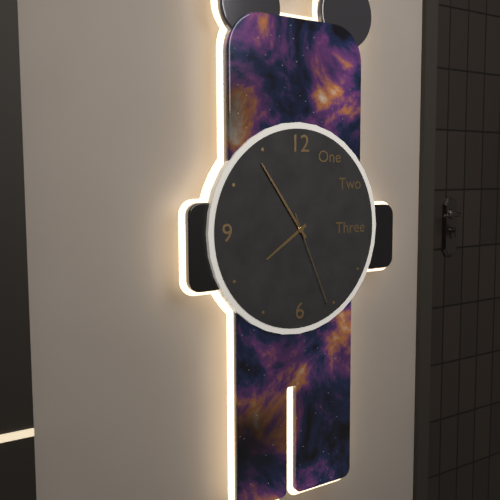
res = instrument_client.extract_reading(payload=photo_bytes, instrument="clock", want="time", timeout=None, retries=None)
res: 7:54:26
